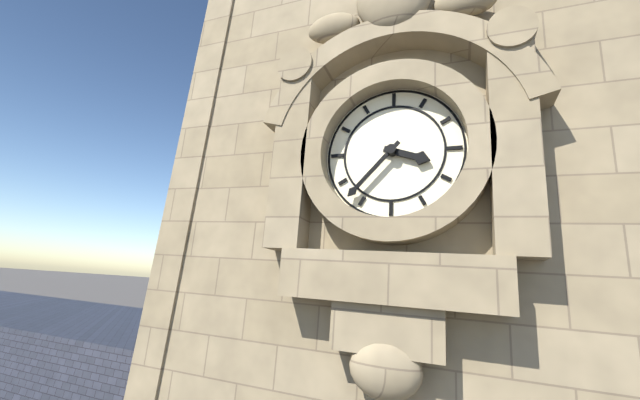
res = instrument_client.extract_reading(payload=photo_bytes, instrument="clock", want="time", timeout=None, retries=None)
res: 3:37
